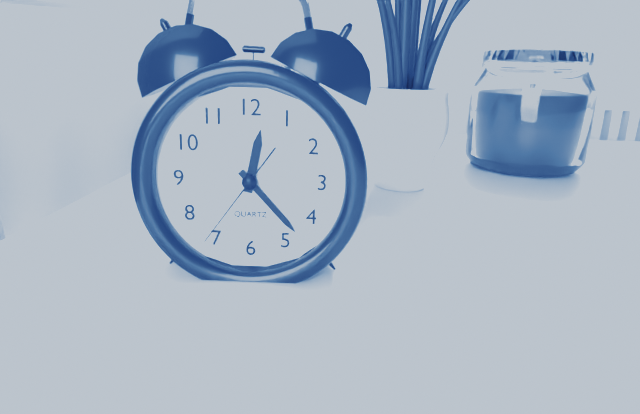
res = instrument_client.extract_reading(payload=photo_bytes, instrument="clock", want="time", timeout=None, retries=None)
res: 12:23:36
